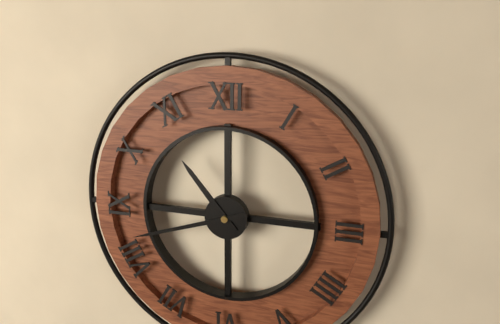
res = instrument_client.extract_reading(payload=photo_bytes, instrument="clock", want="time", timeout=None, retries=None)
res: 10:42
